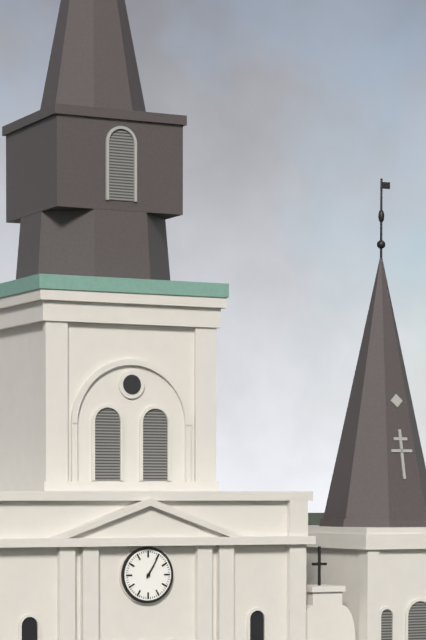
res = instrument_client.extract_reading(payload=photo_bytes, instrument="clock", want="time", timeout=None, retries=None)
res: 1:05
